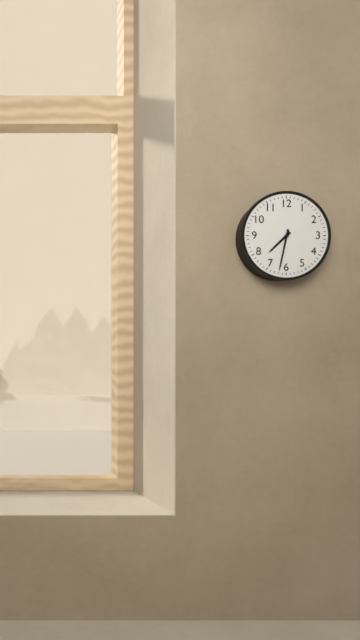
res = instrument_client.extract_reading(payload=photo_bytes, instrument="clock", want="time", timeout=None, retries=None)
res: 7:32
